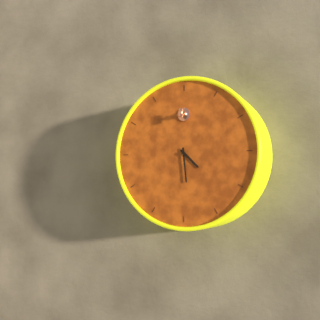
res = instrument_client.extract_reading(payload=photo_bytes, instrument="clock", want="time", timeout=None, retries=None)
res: 4:29
